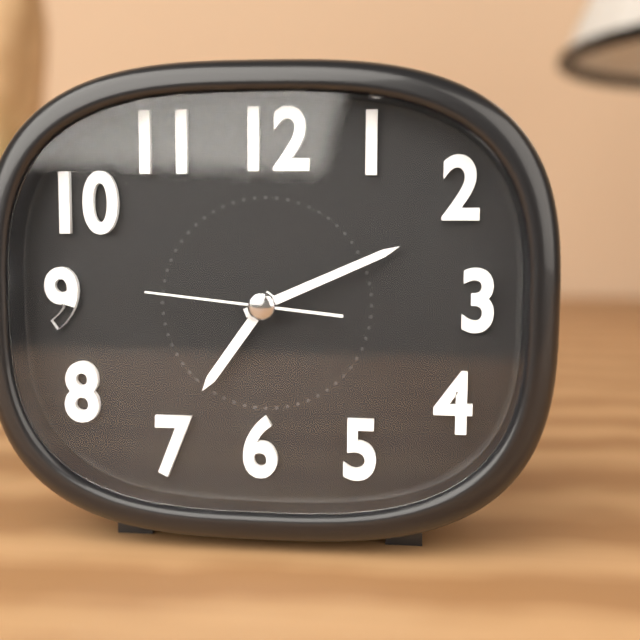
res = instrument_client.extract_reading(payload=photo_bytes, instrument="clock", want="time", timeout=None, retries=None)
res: 7:11:46
